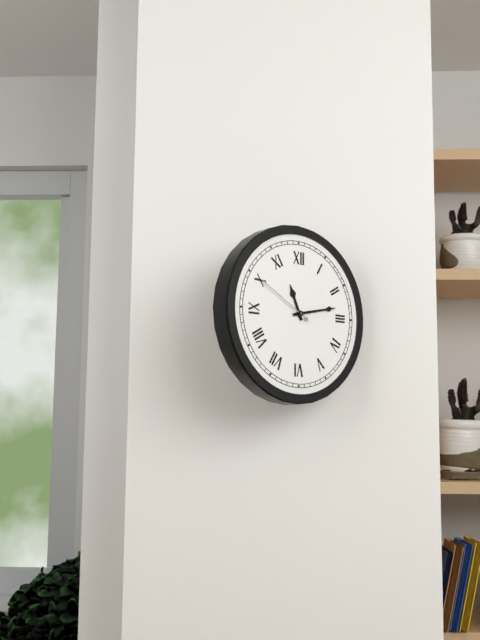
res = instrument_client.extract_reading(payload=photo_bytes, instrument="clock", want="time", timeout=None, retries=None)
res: 11:13:50
